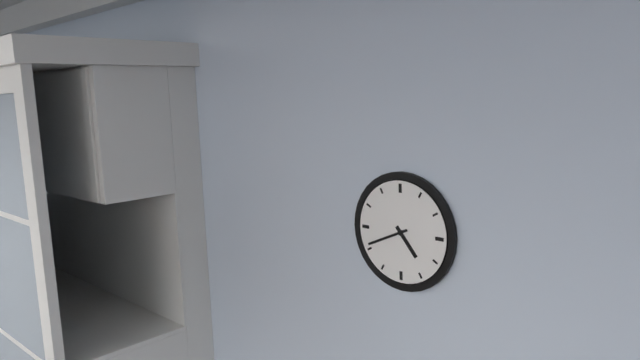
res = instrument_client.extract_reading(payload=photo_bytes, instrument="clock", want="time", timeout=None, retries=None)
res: 4:41
